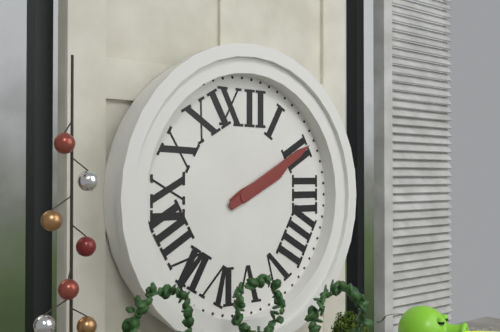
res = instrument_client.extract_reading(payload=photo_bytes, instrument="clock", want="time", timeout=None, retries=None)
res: 2:10
